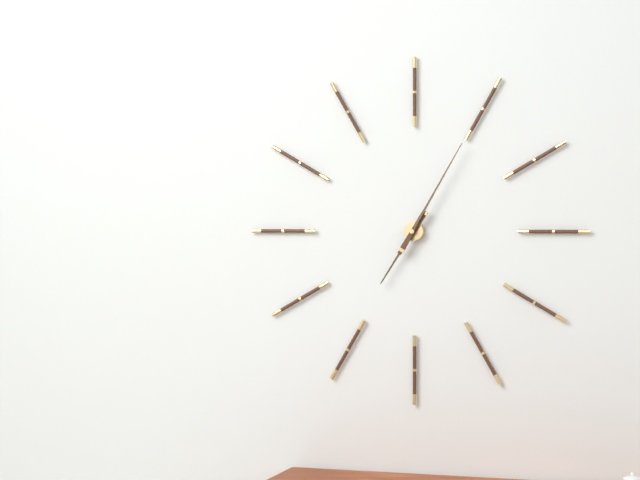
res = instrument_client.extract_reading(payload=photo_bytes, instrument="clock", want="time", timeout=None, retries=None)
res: 7:05
